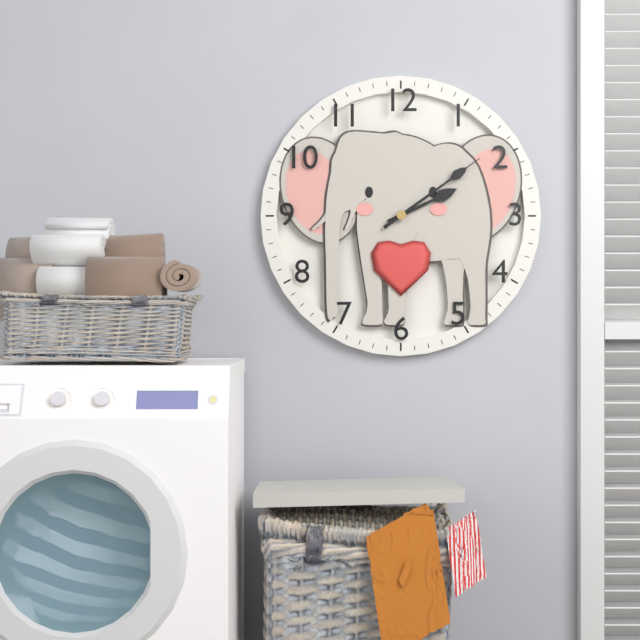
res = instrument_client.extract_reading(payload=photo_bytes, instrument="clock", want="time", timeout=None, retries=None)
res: 2:09
